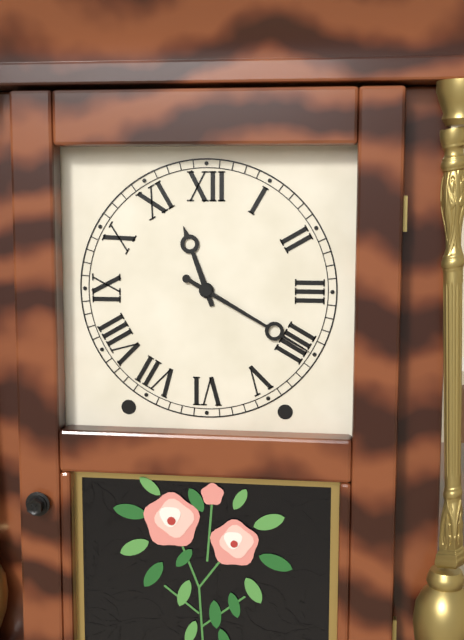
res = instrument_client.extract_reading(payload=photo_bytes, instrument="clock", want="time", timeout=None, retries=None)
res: 11:20
